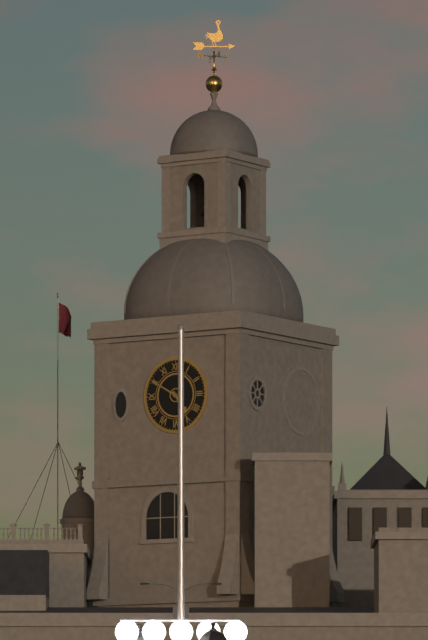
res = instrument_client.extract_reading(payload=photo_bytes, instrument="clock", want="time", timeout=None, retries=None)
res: 4:50
